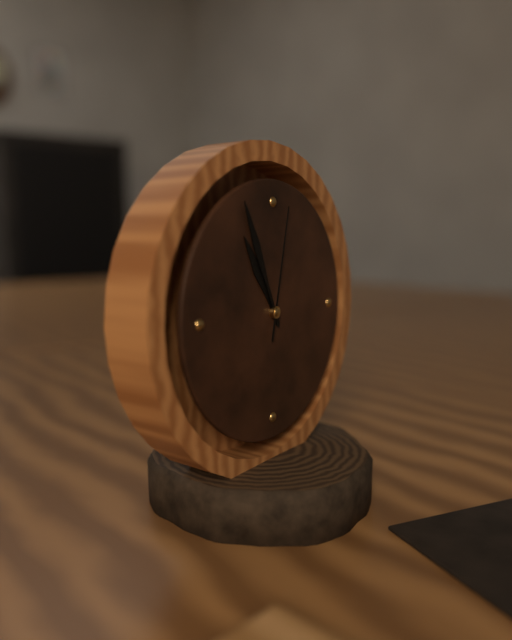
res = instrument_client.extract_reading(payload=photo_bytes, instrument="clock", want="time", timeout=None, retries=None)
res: 10:56:02
